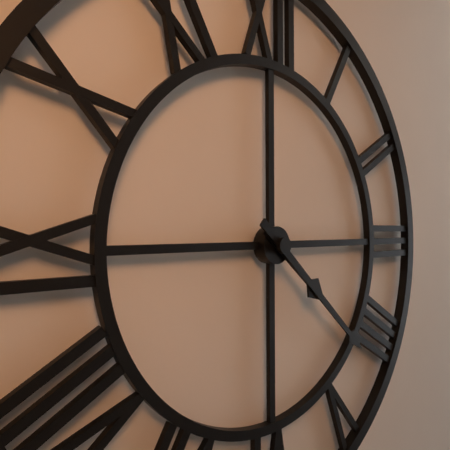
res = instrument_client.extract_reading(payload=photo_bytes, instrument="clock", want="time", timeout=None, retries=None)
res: 4:22
